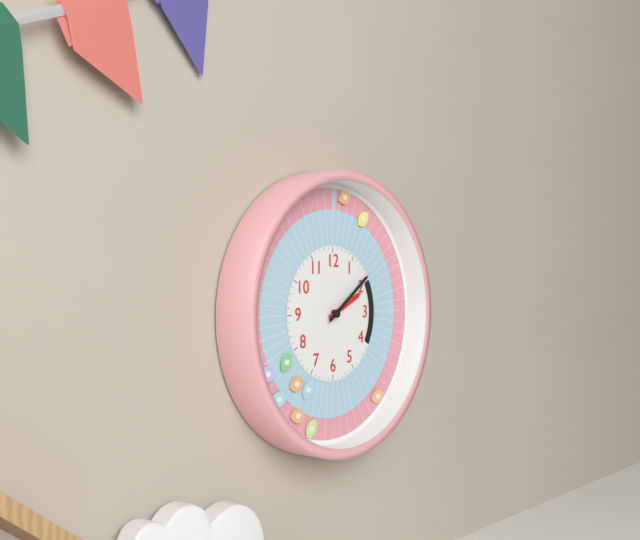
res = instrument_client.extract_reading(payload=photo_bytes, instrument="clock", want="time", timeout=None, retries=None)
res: 2:09
